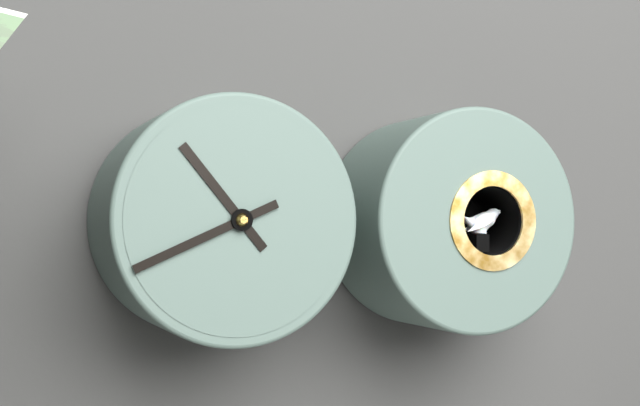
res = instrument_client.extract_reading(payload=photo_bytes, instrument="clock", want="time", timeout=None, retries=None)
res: 10:41
